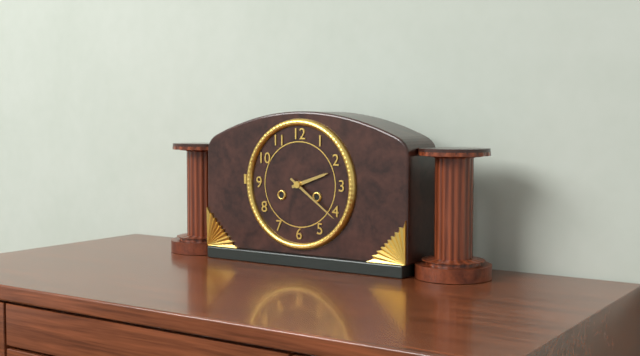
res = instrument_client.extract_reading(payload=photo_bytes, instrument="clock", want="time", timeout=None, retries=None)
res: 2:21
